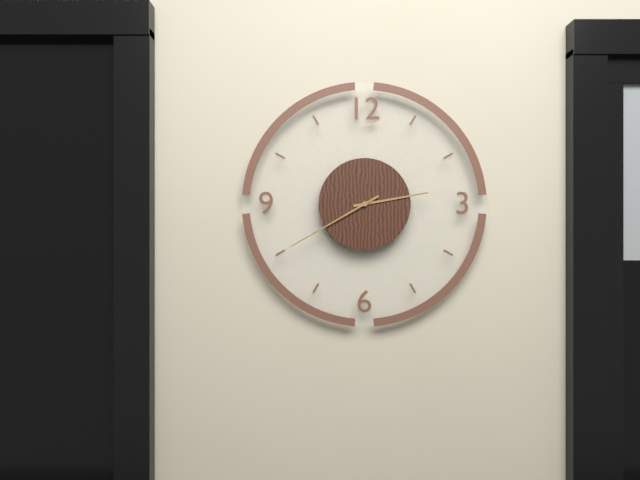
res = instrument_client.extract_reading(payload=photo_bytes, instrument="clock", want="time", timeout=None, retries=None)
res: 2:40
